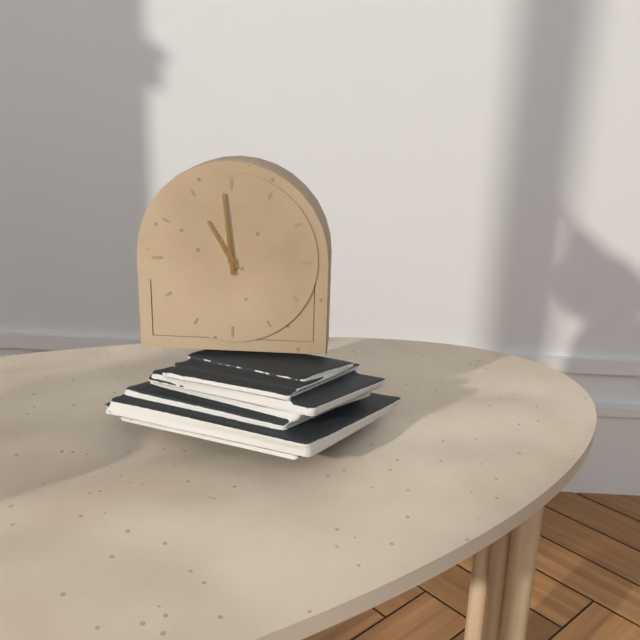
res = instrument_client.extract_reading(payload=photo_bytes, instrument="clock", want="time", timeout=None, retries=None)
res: 10:59
